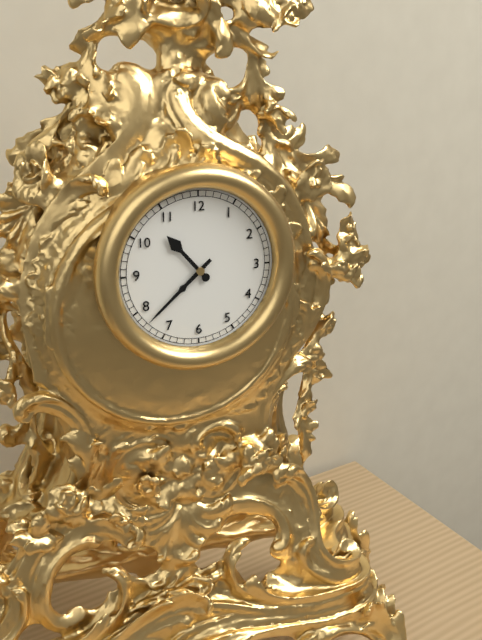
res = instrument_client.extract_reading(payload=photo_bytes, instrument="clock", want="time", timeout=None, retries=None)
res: 10:38
